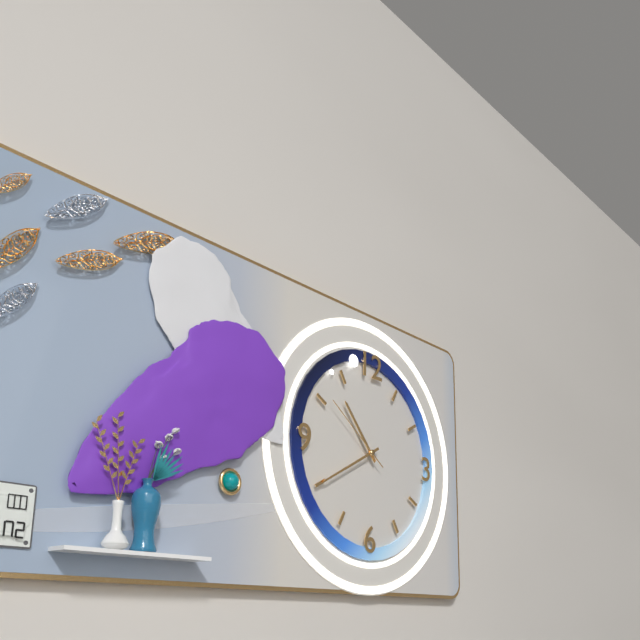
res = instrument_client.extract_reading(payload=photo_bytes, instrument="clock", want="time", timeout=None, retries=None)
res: 10:40:51
